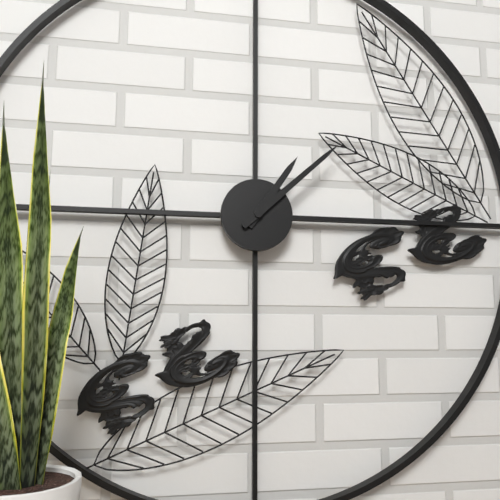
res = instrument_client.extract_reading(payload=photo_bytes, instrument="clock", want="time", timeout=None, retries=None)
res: 1:08
